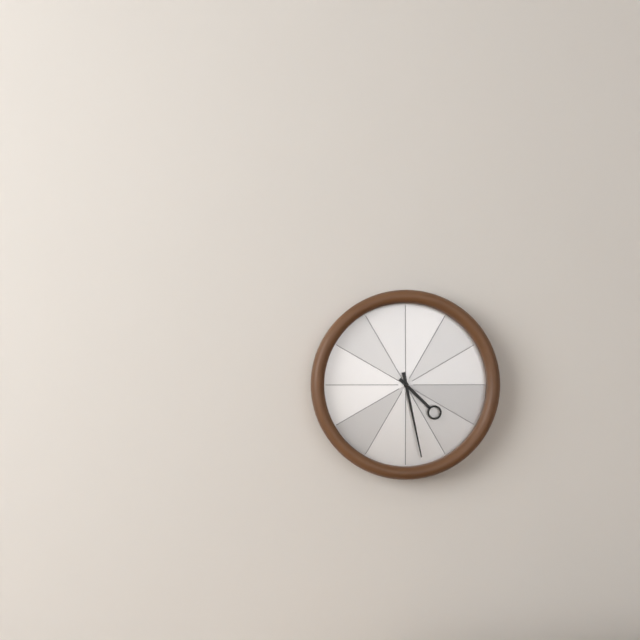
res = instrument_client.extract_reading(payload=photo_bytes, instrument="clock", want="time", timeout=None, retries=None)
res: 4:28
